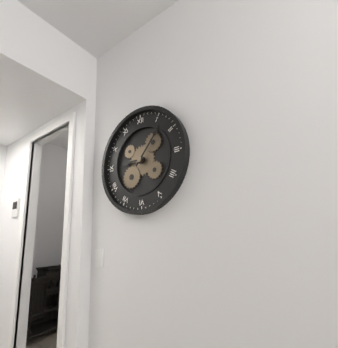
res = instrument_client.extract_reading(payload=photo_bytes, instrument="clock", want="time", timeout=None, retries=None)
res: 9:07
